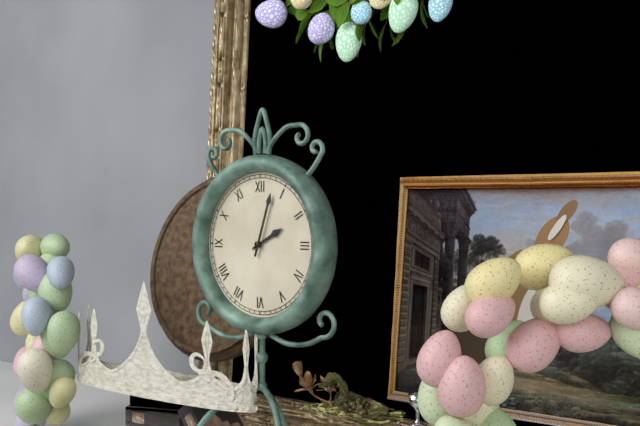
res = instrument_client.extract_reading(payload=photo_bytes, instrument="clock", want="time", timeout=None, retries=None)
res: 2:03
